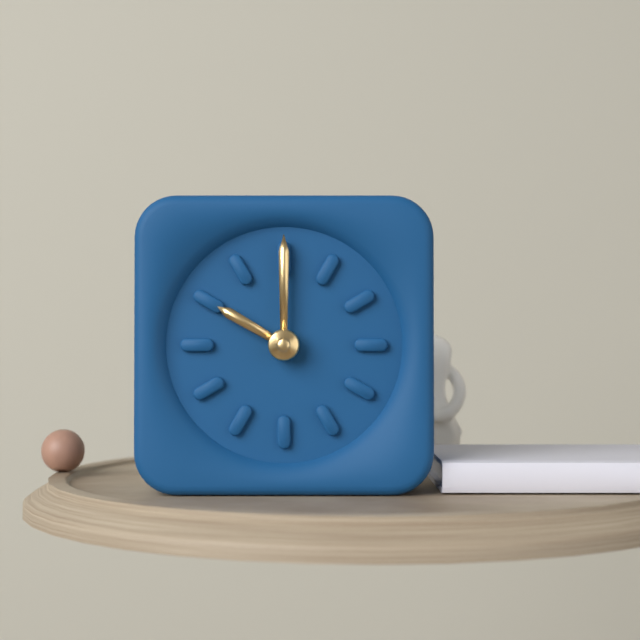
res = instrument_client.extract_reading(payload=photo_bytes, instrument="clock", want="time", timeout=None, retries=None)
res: 10:00
